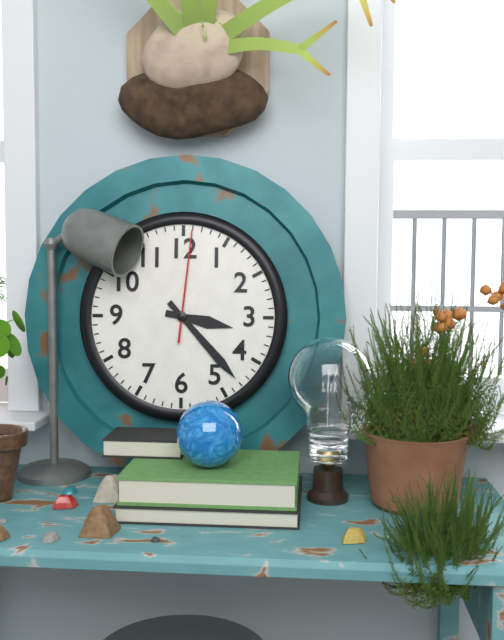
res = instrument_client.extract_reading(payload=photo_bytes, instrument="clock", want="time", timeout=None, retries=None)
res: 3:23:01
